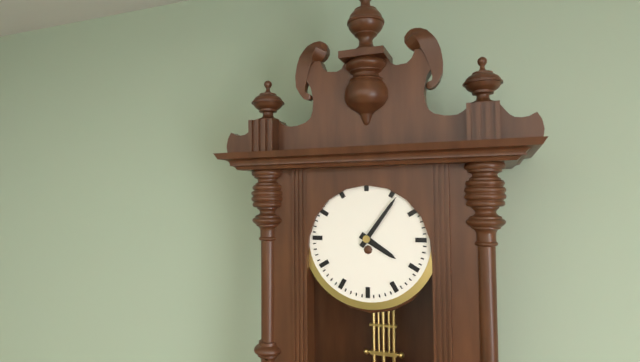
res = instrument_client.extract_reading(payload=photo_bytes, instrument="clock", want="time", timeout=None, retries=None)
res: 4:06
